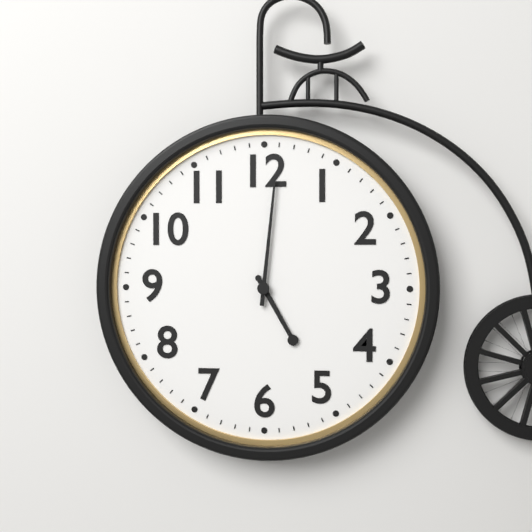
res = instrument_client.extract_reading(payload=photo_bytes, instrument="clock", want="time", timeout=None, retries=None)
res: 5:01
